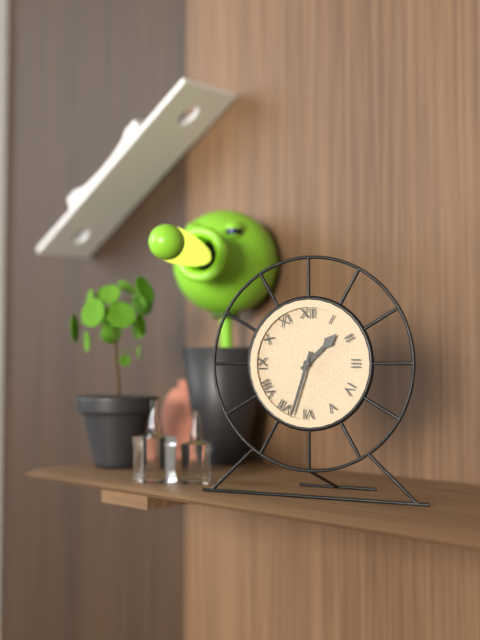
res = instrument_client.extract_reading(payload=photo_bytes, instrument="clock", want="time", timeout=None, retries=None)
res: 1:33
